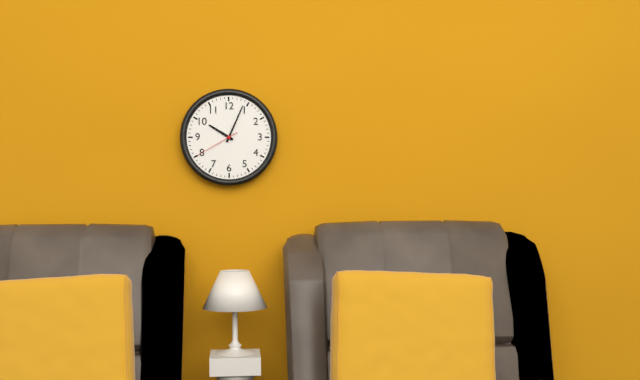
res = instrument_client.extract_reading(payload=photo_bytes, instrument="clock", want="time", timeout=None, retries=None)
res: 10:04
